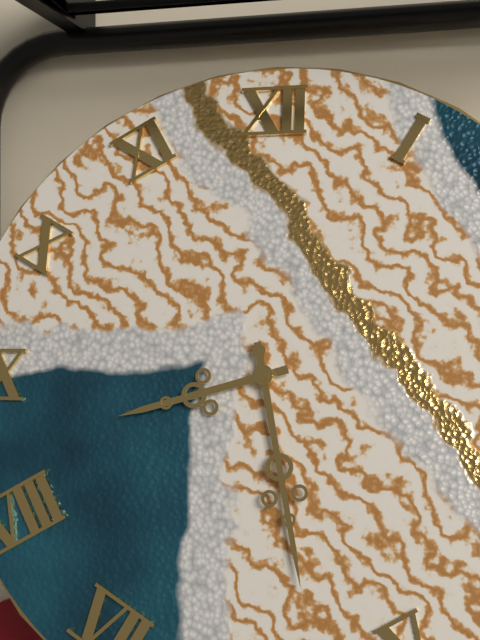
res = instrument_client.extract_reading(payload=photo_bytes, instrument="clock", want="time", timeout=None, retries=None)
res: 8:28
